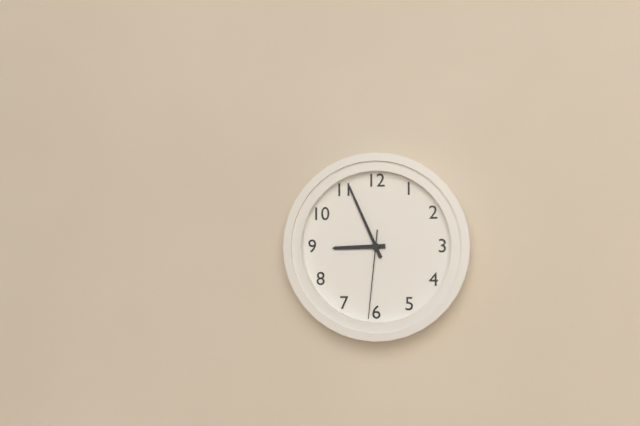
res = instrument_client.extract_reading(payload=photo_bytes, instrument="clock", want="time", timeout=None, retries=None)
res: 8:56:31
